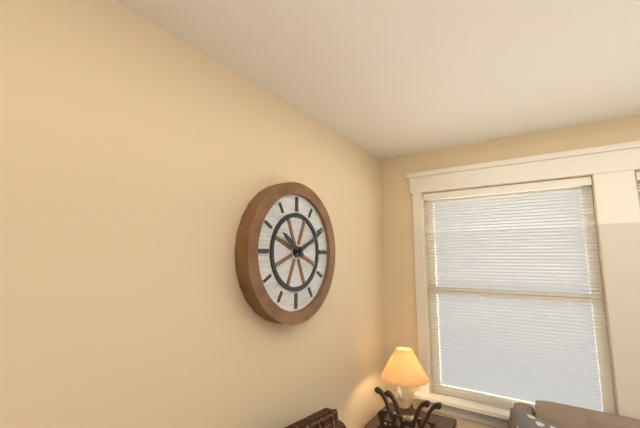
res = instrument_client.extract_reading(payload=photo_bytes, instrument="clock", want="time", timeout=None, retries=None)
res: 10:10
